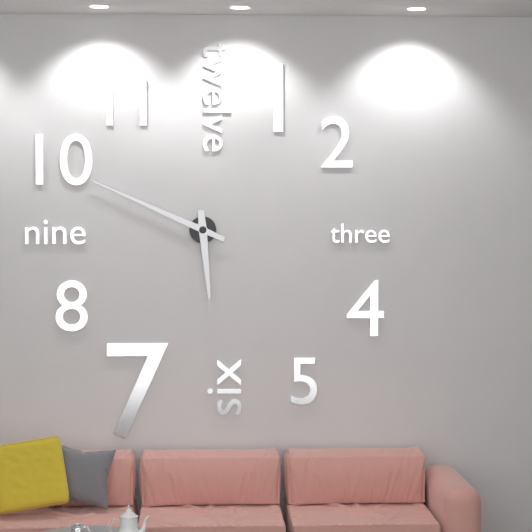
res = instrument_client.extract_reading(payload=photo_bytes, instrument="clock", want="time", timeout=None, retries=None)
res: 5:49
